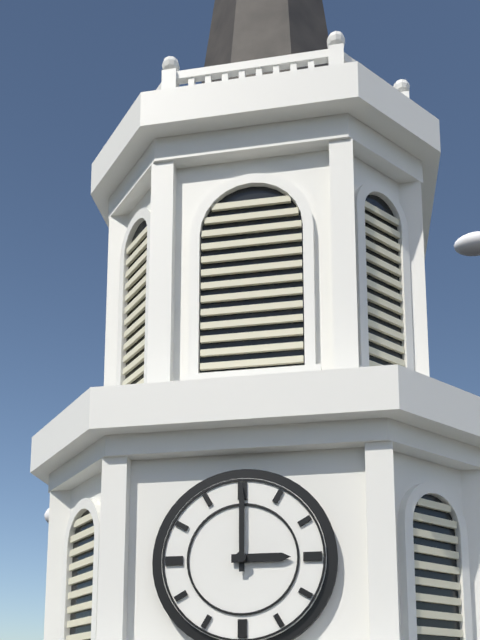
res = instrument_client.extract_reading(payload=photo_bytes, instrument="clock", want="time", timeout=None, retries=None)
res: 3:00
